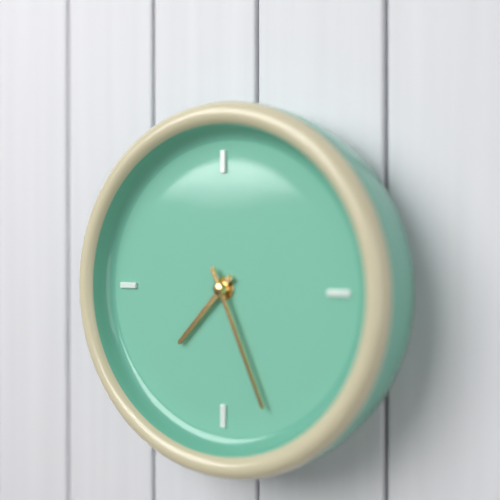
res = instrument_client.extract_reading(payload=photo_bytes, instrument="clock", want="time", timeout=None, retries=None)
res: 7:26
